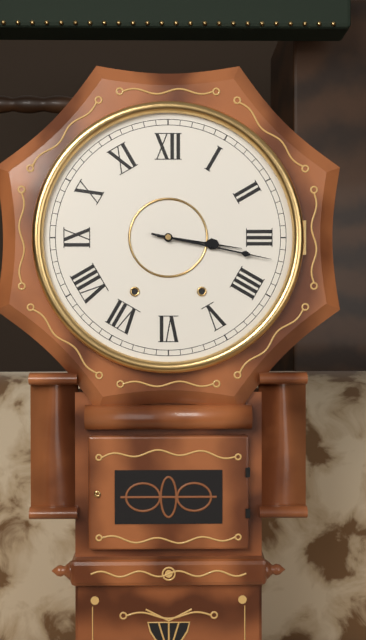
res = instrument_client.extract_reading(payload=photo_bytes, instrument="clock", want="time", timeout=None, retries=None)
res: 3:17
